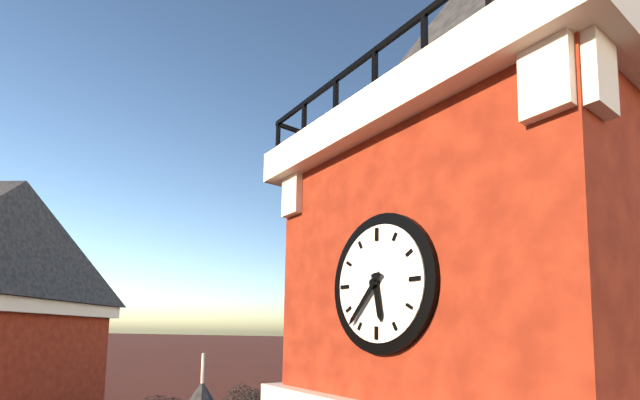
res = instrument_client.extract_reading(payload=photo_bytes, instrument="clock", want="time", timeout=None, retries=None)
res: 5:37
